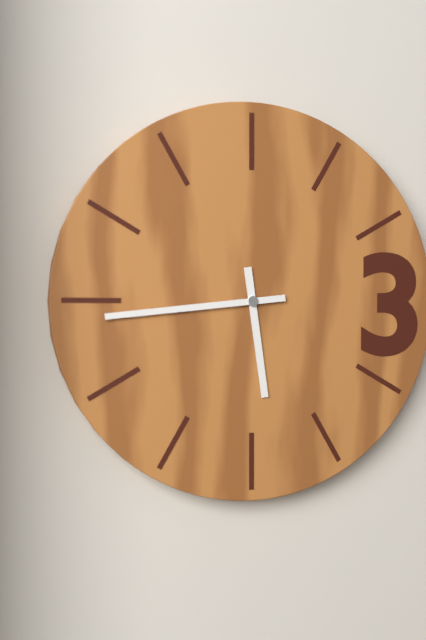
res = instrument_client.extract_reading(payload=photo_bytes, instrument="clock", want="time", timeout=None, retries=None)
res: 5:44
